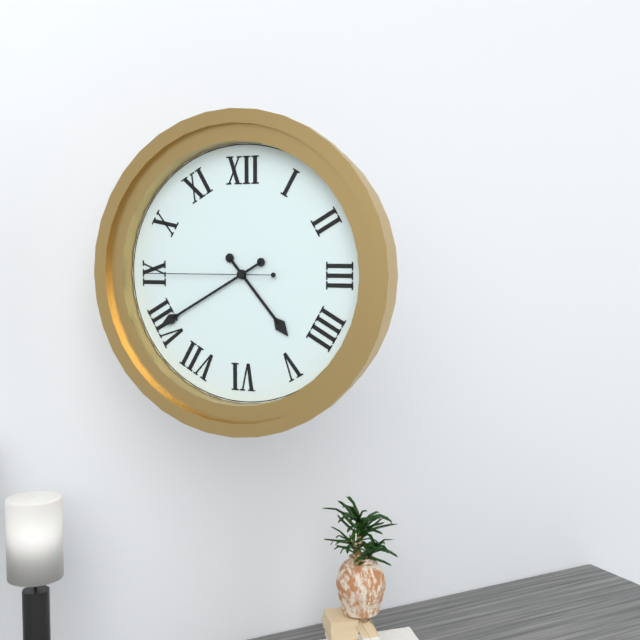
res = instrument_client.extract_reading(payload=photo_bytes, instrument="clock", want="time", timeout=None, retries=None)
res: 4:40:45
